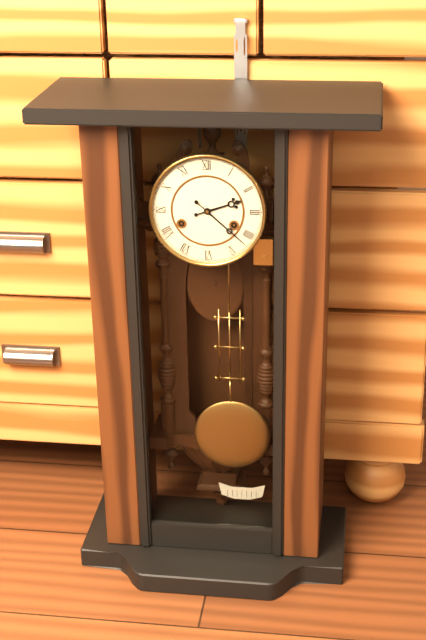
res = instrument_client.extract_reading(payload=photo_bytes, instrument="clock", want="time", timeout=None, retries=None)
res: 2:22
